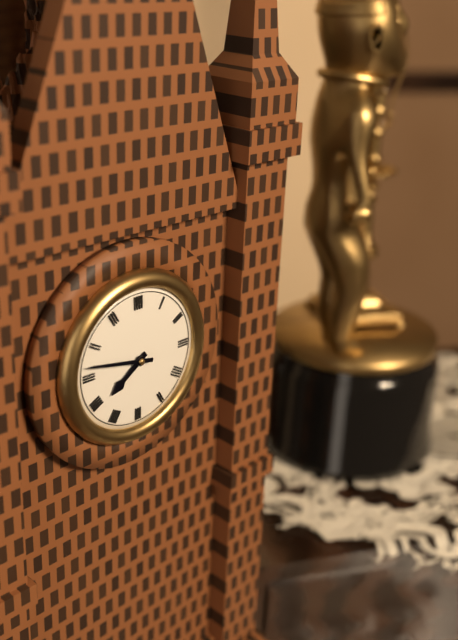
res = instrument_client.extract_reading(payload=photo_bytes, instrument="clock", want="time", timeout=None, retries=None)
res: 7:47
